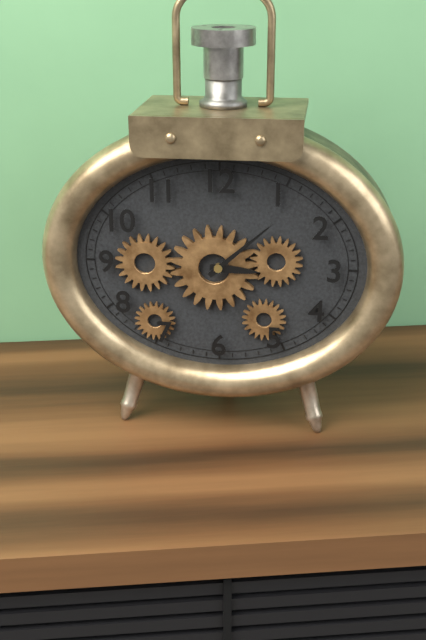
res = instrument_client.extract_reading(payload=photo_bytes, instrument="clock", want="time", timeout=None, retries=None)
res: 3:08
